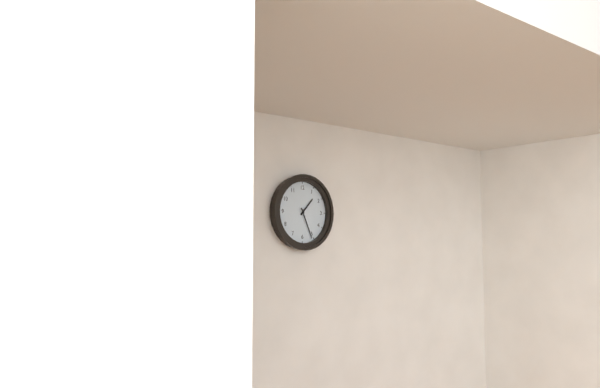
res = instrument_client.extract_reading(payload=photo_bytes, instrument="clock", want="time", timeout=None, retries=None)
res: 1:26
